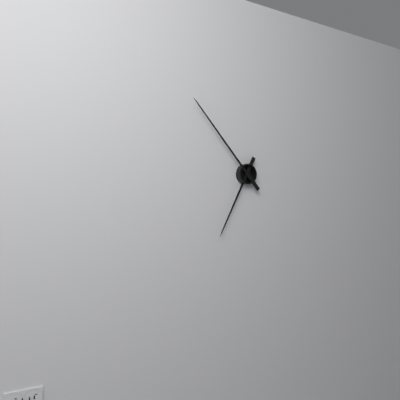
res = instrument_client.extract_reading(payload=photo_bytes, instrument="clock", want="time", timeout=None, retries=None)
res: 6:53
